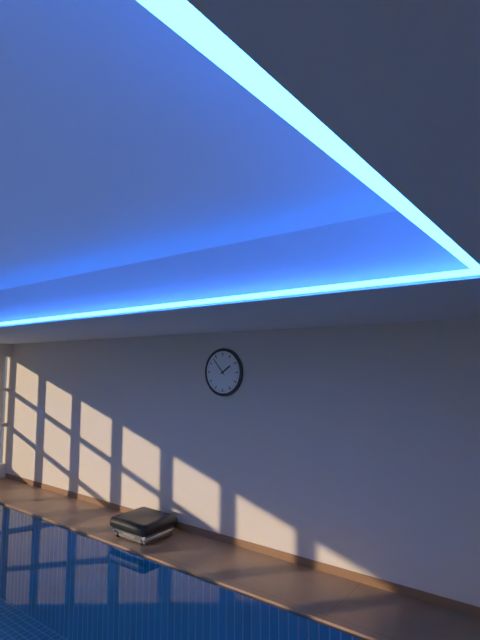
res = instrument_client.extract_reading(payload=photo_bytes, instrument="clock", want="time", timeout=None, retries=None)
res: 1:53
